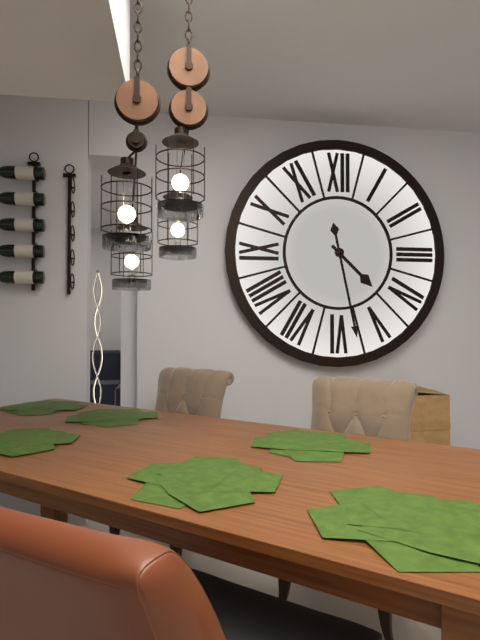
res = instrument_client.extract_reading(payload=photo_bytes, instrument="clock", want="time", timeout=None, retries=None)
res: 4:28
